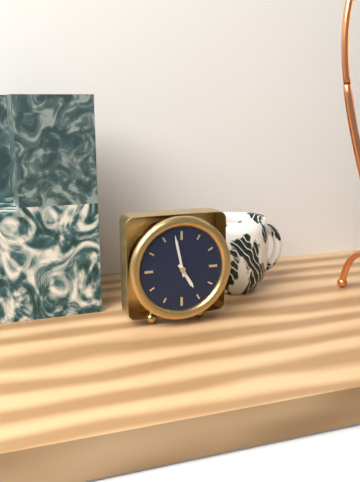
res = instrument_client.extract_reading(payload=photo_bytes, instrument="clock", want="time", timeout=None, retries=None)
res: 4:58
